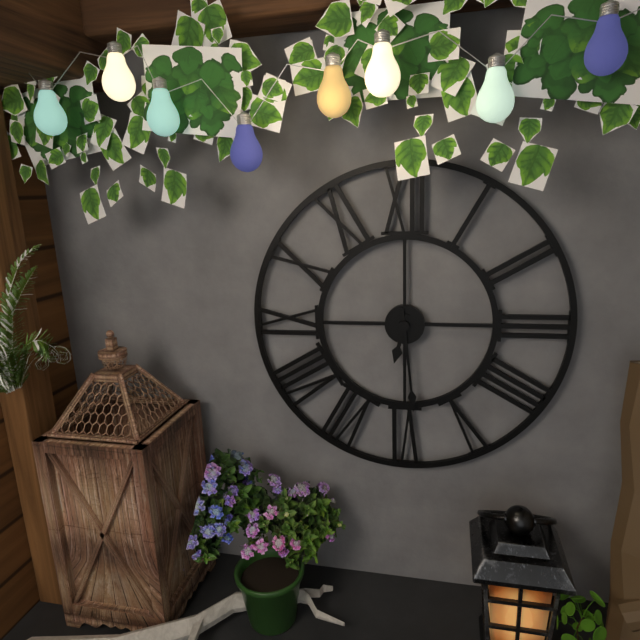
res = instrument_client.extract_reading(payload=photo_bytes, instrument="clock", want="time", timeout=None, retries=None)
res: 6:29
